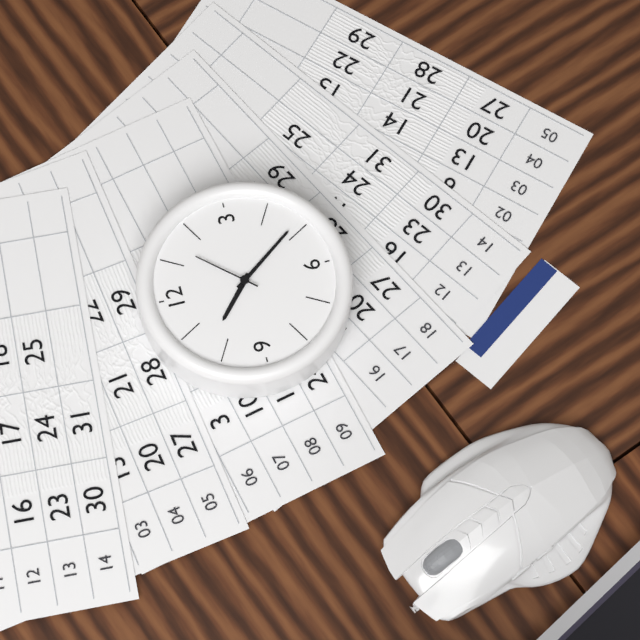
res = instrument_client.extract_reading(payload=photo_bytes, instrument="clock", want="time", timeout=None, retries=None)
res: 10:24:07
